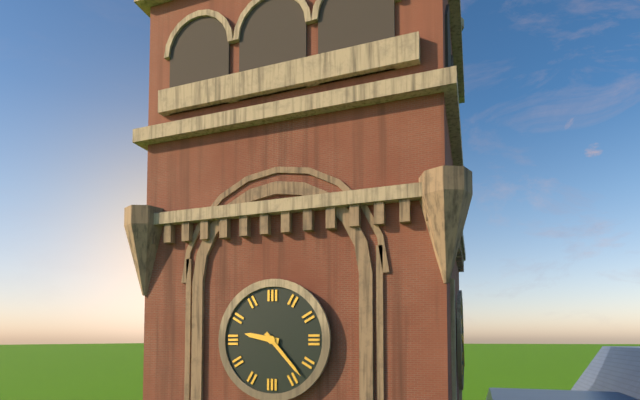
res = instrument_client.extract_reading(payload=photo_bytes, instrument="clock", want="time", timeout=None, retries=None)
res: 9:23
